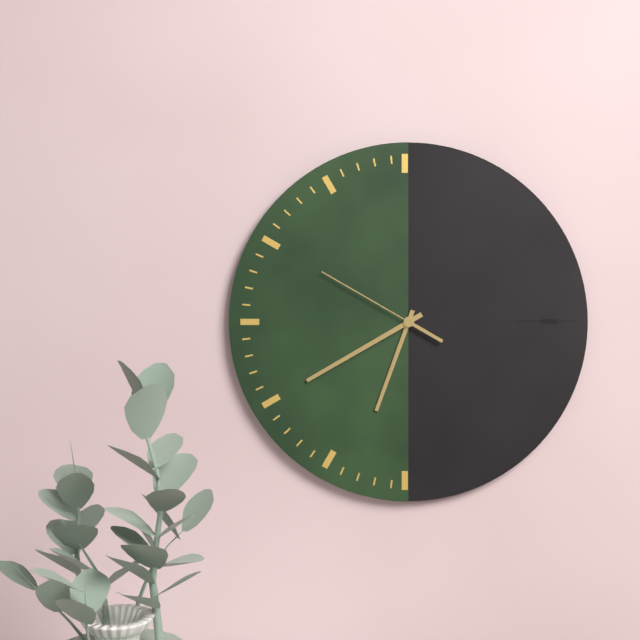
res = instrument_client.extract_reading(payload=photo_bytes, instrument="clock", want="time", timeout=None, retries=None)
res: 6:40:50
